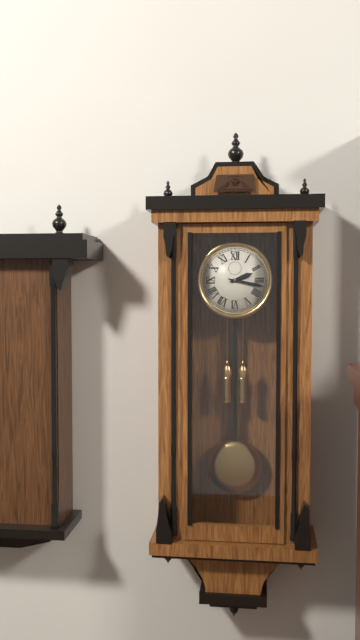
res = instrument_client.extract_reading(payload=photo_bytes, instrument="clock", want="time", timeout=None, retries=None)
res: 2:17
